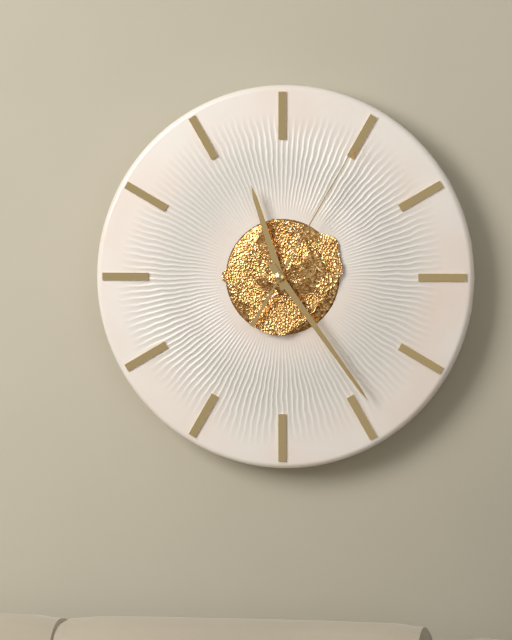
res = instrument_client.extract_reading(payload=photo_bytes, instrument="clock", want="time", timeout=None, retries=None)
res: 11:24:05
